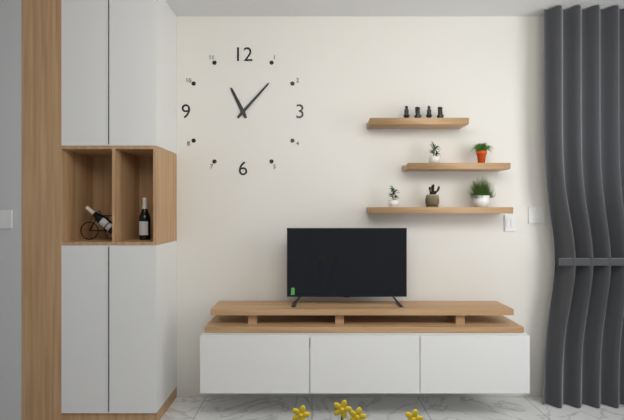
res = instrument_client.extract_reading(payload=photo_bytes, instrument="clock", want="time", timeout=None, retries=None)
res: 11:07
